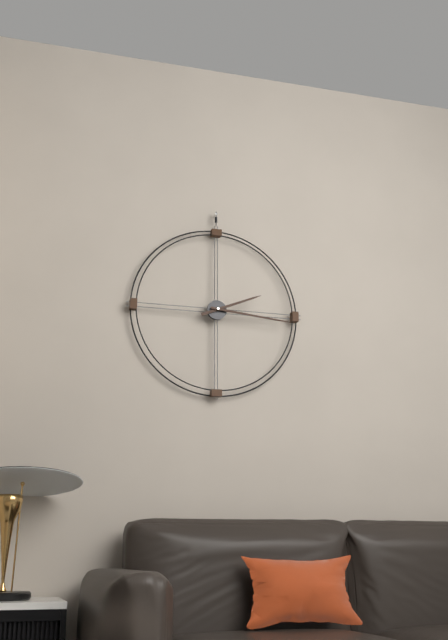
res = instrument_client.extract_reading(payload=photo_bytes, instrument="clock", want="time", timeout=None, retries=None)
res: 2:16
